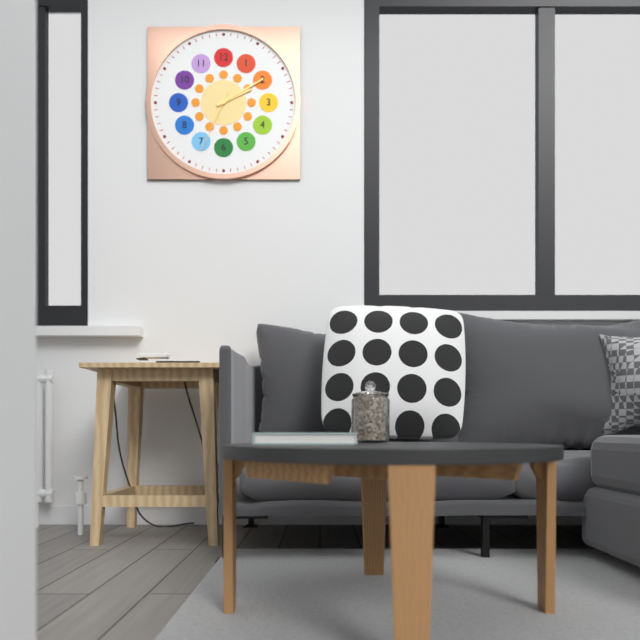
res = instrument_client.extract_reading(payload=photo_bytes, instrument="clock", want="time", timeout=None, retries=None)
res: 2:10:34
